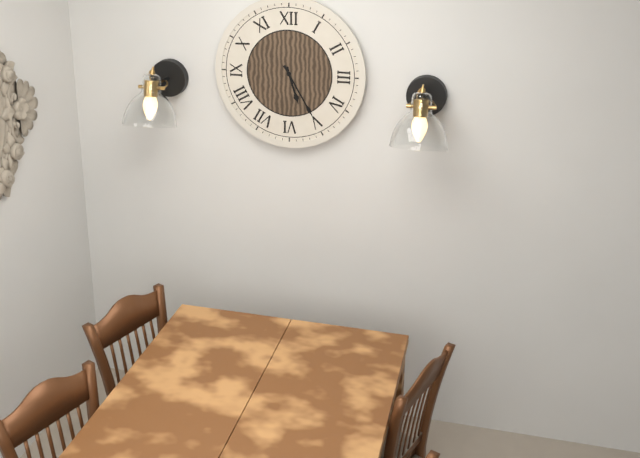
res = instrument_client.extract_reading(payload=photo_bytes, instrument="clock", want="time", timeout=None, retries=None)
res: 5:25
